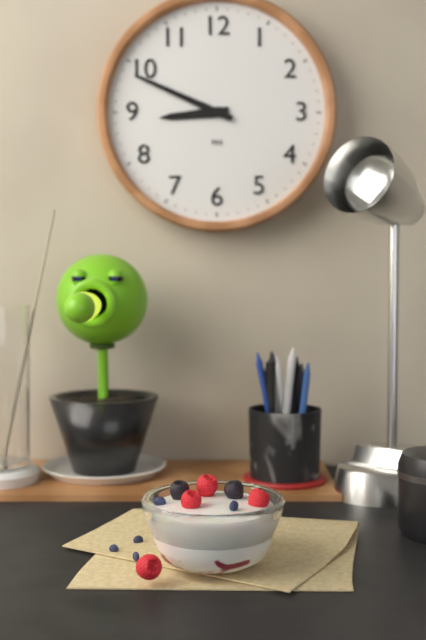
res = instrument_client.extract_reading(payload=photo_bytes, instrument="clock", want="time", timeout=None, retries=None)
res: 8:49
